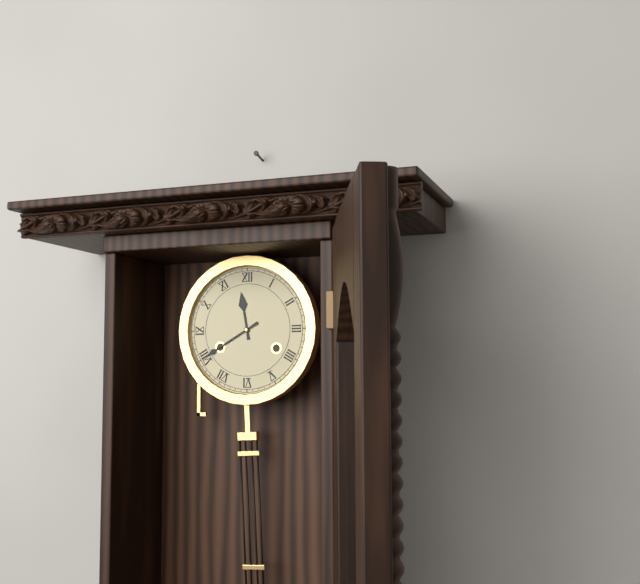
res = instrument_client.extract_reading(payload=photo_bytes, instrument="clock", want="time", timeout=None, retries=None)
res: 11:40
